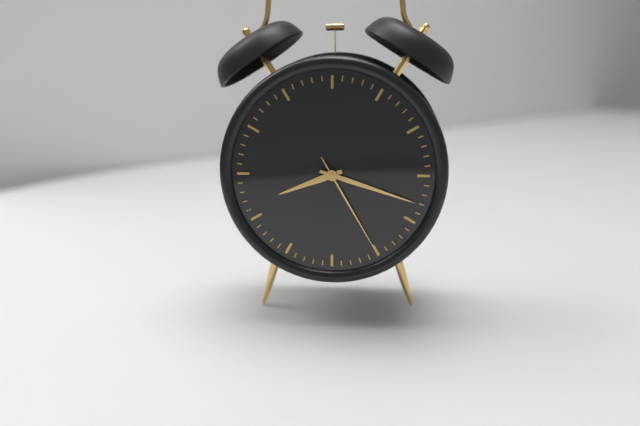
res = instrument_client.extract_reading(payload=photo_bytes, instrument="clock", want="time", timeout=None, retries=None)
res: 8:18:25
